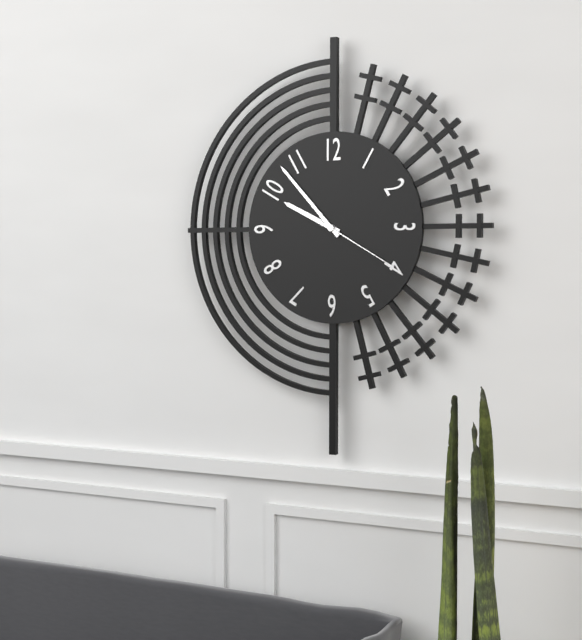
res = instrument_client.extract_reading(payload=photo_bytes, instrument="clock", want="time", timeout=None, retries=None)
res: 9:53:20
